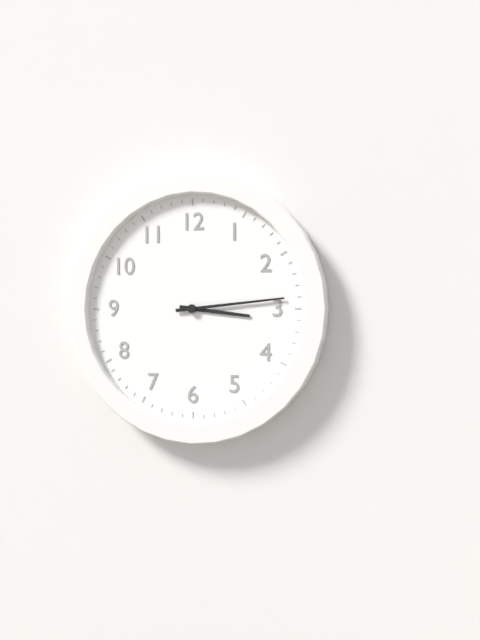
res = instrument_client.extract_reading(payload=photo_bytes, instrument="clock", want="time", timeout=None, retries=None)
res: 3:14
